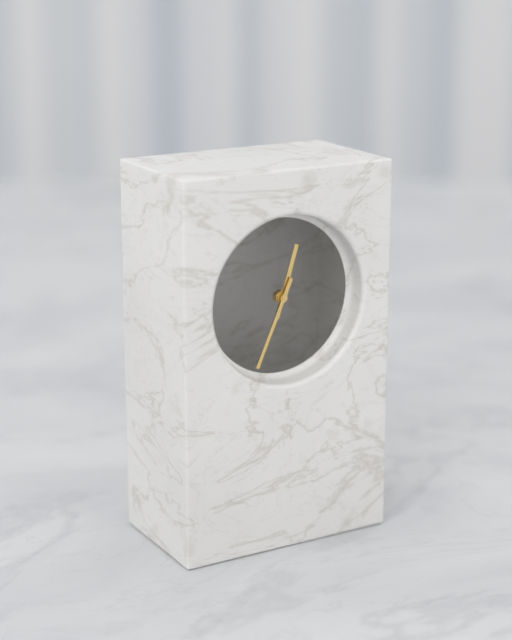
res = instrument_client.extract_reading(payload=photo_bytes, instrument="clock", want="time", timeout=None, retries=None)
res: 12:34
